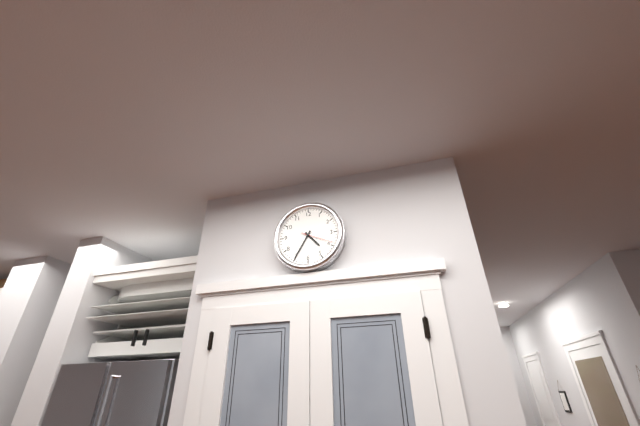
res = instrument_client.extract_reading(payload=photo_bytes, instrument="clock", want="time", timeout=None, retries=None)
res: 4:35
